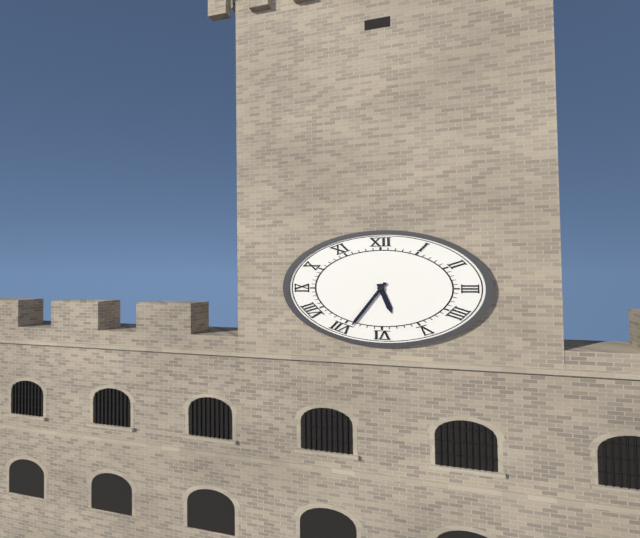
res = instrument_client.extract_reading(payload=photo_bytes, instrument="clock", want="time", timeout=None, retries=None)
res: 5:34
